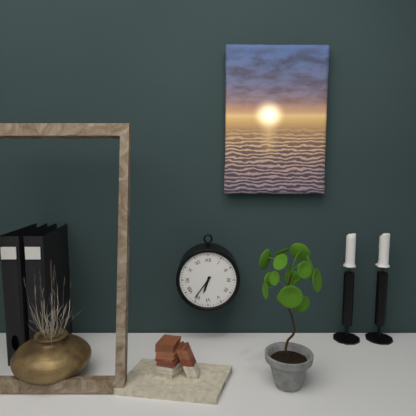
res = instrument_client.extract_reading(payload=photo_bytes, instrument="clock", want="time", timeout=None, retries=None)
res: 6:36
